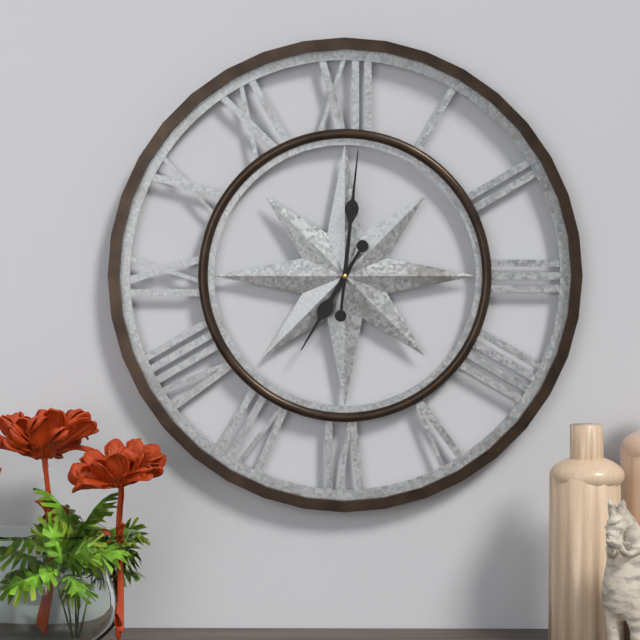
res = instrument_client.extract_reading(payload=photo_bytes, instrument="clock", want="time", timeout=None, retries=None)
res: 7:01
